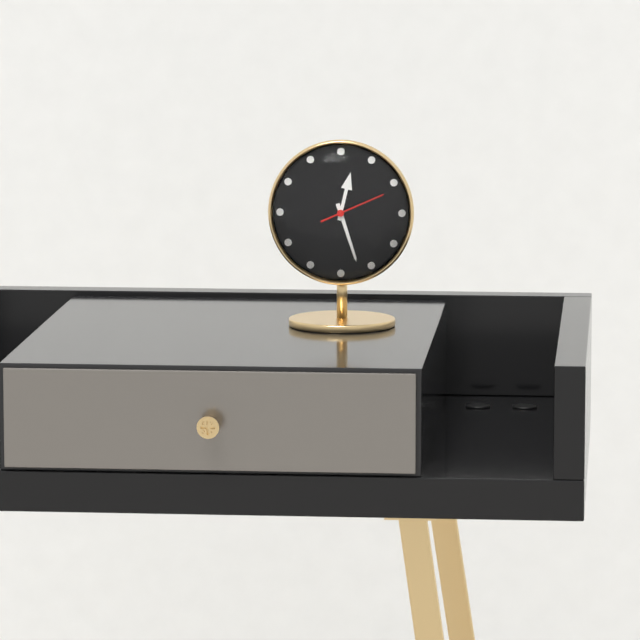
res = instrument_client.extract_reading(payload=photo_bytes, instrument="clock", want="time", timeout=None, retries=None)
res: 12:27:11
